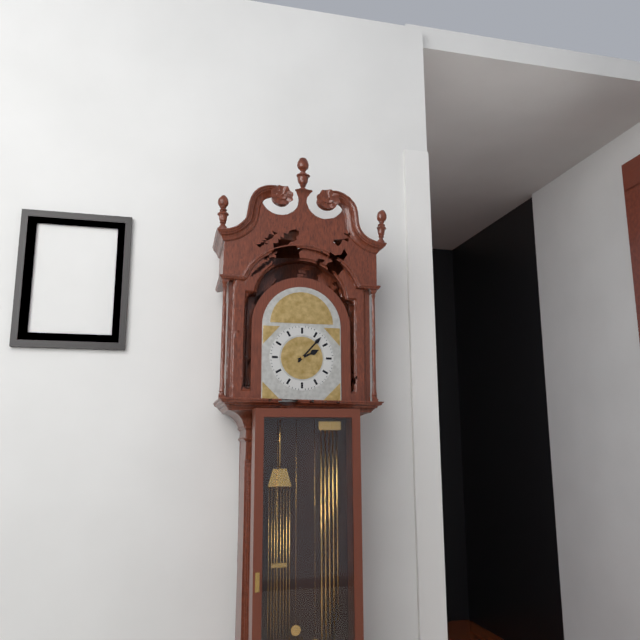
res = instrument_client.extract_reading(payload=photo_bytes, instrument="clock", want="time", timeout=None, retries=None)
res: 2:07
